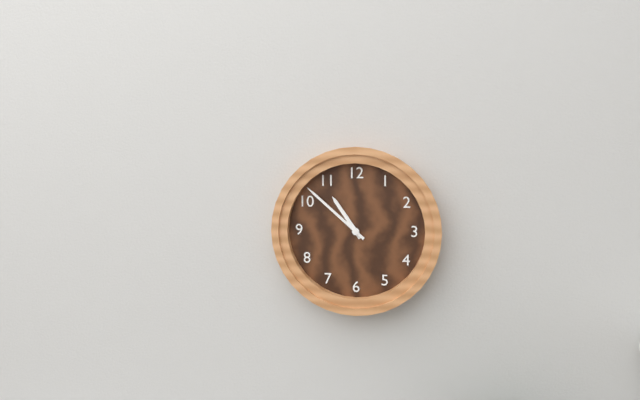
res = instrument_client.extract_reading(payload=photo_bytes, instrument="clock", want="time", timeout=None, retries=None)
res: 10:52
